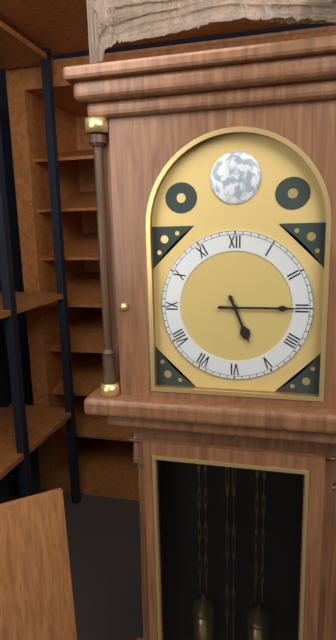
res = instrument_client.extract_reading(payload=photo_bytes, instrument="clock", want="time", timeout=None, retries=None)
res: 5:15
